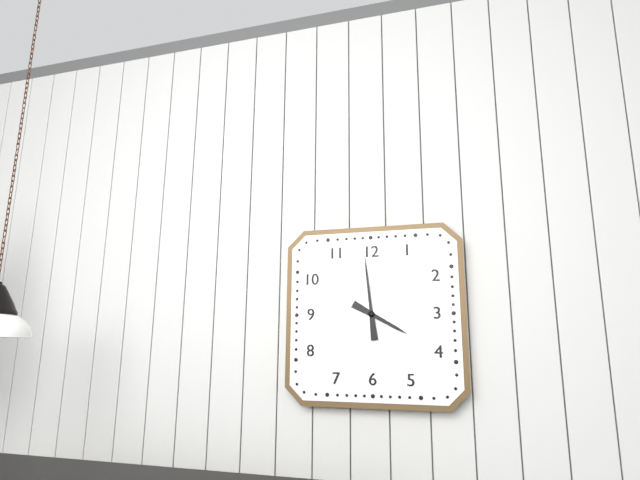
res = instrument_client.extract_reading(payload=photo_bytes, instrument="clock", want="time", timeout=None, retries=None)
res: 3:59
